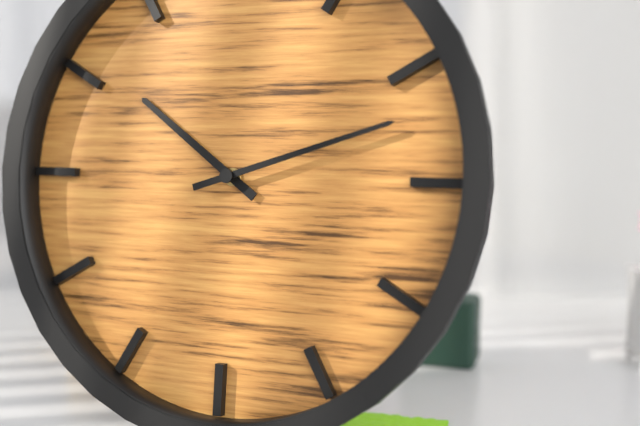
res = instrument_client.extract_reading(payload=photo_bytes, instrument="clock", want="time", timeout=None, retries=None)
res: 10:12
